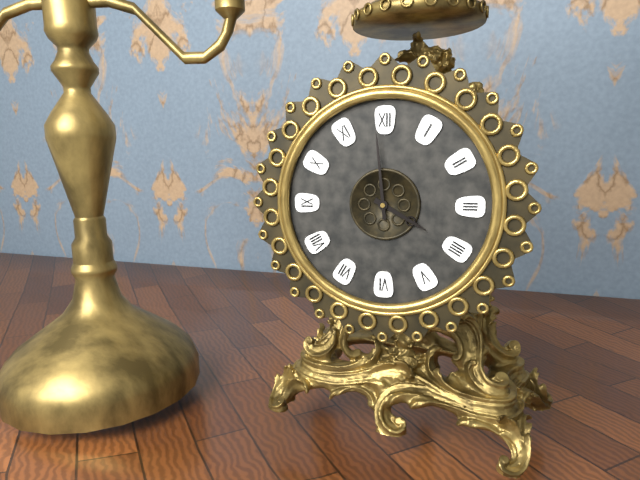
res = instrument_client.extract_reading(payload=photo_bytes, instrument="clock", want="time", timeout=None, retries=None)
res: 3:59
